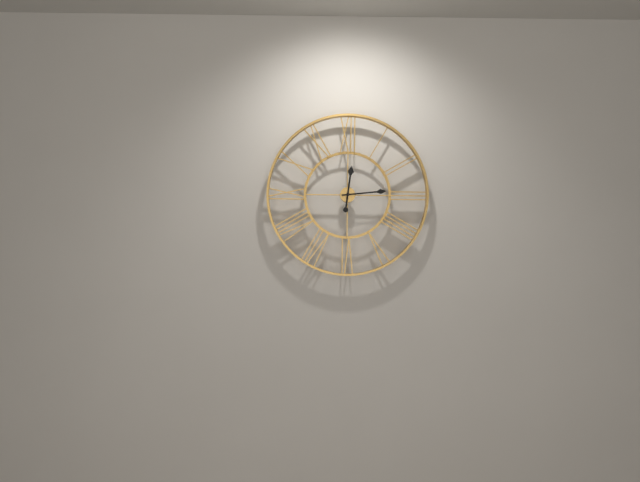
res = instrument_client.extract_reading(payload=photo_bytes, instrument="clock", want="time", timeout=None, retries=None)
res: 12:14
